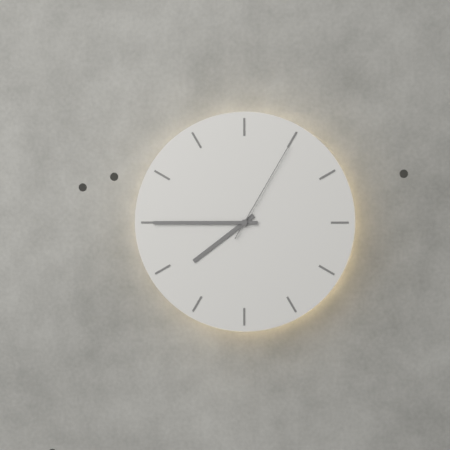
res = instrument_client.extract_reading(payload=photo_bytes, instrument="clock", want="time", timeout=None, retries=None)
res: 7:45:05
